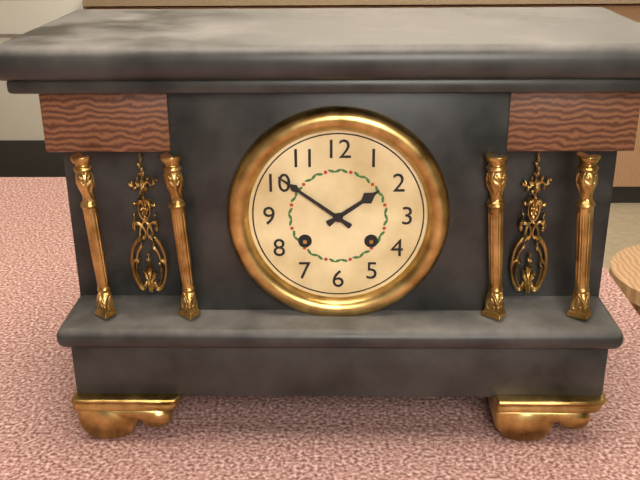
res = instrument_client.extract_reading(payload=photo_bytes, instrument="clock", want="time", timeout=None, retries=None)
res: 1:51
